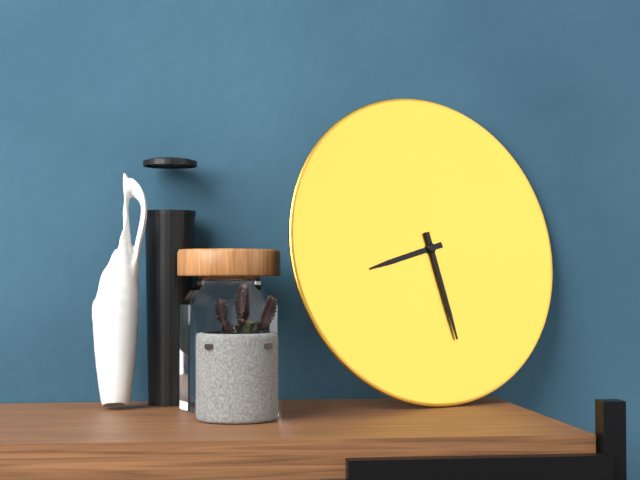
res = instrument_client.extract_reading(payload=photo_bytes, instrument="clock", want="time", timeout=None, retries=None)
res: 8:28
